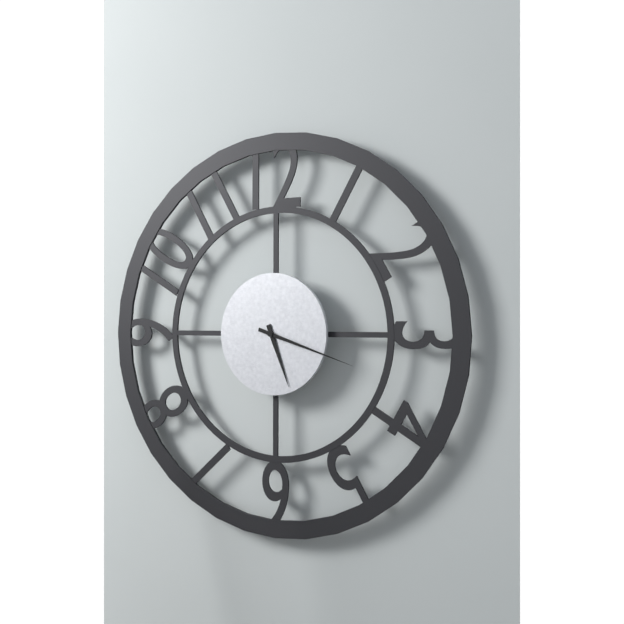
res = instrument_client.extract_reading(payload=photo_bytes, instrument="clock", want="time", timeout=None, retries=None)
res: 5:18
